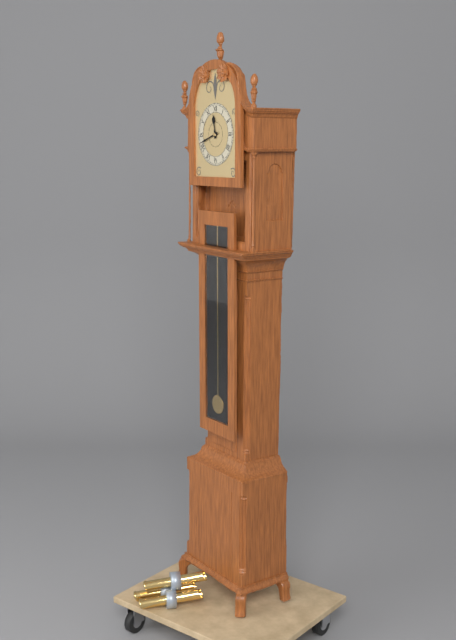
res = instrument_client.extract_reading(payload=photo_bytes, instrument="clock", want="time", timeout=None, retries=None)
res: 11:42
